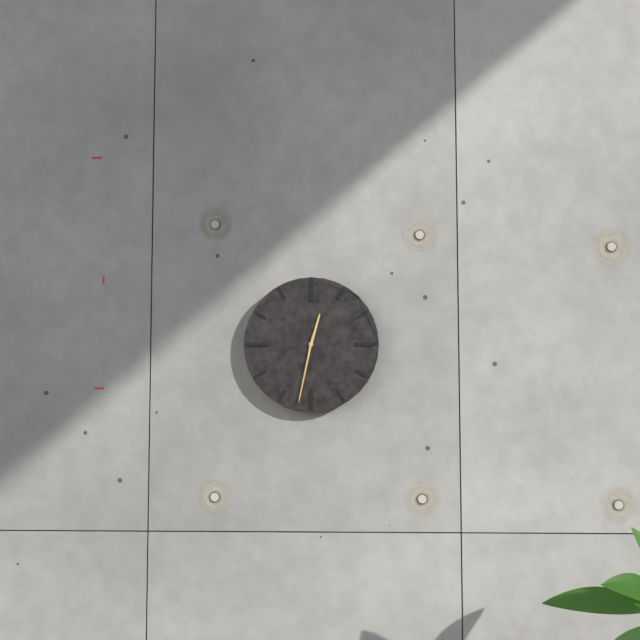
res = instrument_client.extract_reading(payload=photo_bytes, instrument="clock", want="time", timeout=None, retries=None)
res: 12:32
